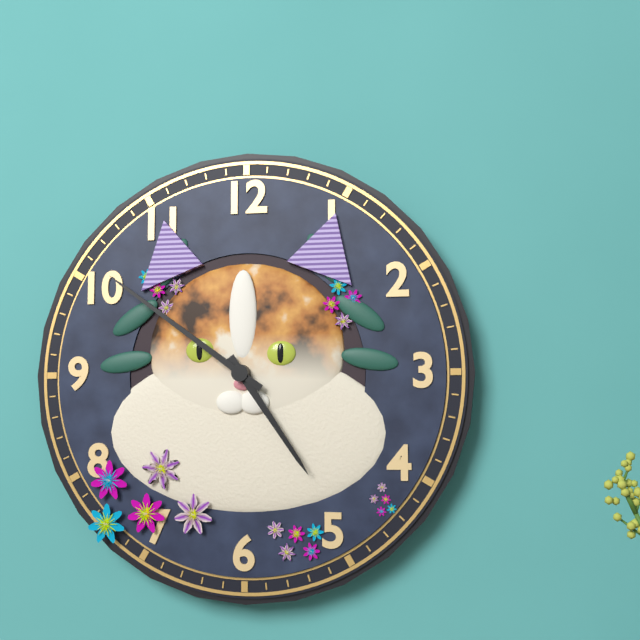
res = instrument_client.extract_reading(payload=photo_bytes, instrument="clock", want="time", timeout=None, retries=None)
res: 4:51
